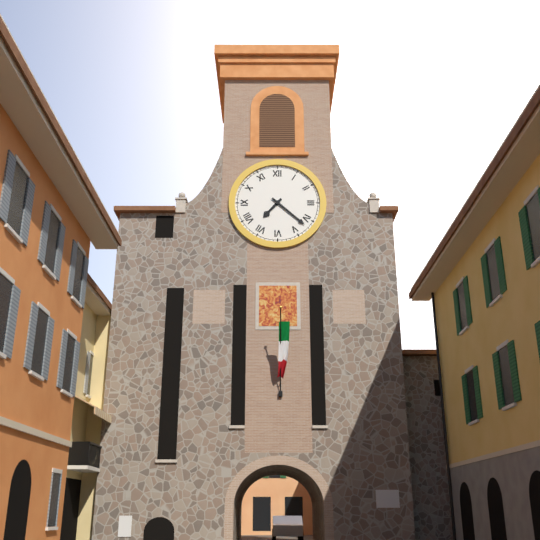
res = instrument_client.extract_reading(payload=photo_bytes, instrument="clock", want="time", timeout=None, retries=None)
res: 7:22
